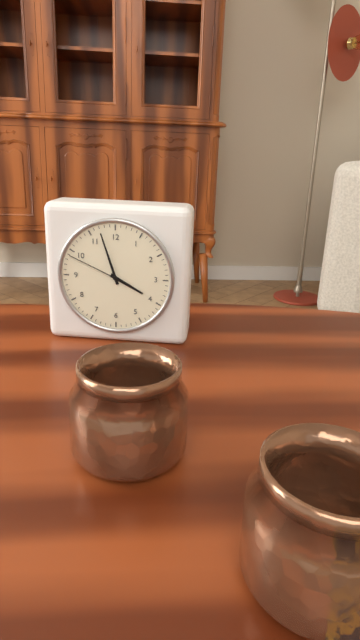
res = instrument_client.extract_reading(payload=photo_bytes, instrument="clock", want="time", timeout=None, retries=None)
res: 3:57:49
